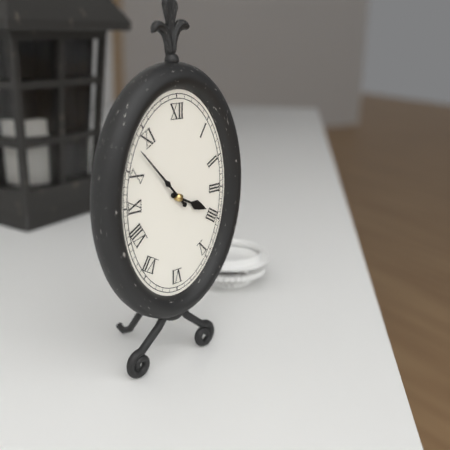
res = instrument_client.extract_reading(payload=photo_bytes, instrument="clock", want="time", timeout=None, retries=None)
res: 3:53
